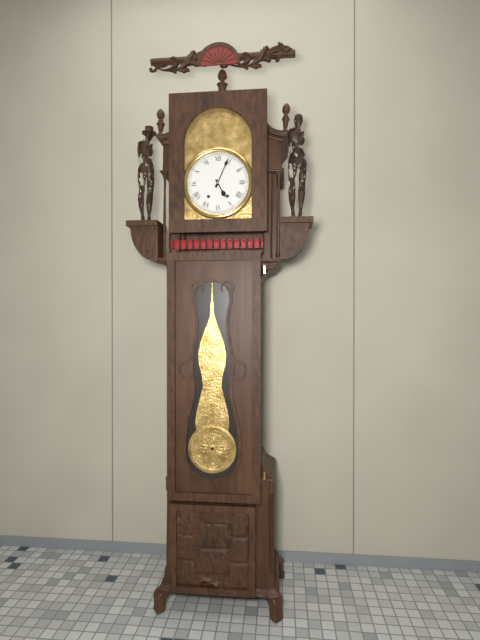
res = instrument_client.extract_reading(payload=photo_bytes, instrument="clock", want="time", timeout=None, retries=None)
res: 5:04
